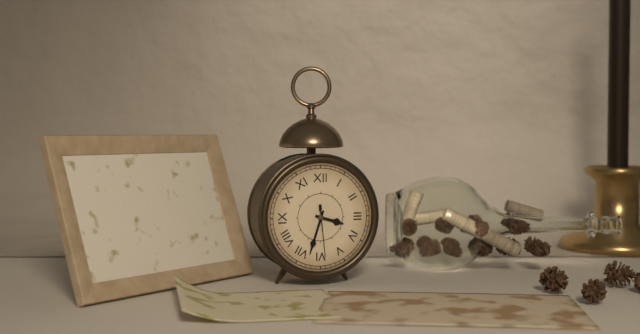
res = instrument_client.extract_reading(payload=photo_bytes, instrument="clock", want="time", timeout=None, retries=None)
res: 3:33:29
